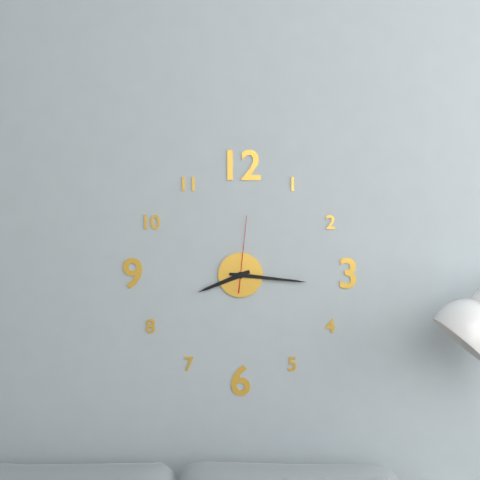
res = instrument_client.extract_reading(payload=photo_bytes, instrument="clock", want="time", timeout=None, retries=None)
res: 8:16:01
